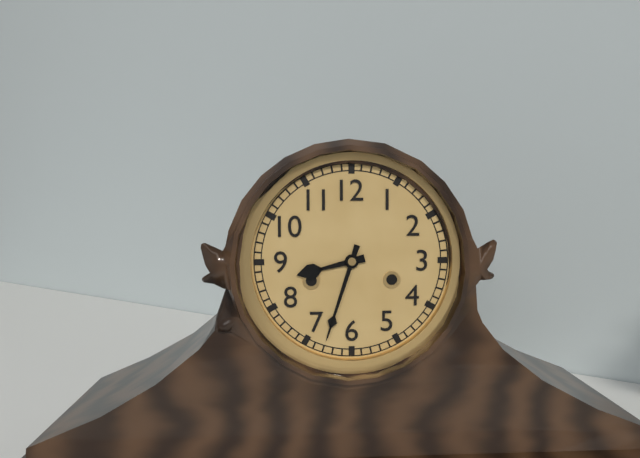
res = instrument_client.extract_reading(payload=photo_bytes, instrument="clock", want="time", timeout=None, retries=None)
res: 8:33
